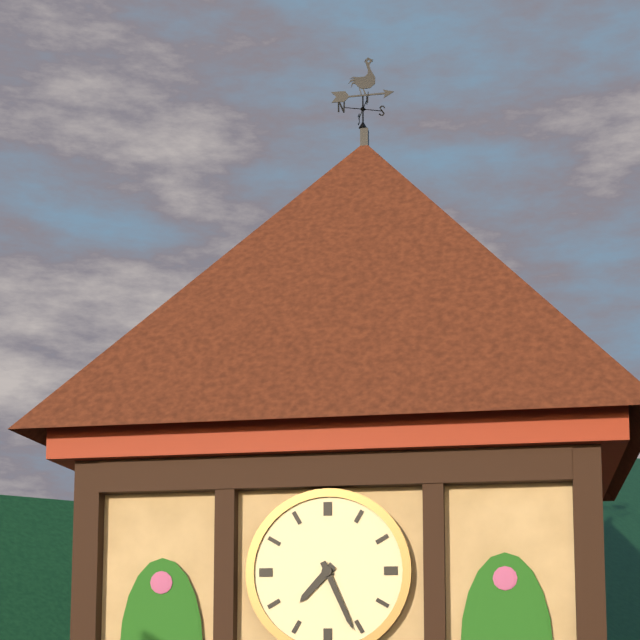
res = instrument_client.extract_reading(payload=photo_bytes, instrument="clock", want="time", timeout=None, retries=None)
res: 7:26
